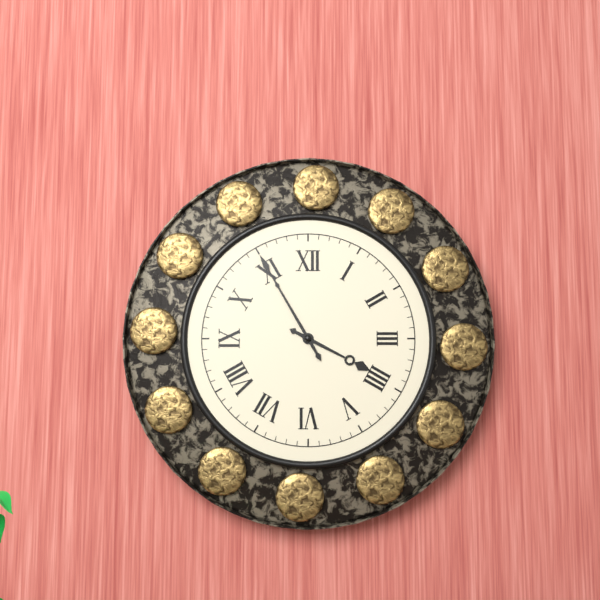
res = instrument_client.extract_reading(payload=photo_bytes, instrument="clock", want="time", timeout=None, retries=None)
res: 3:55
